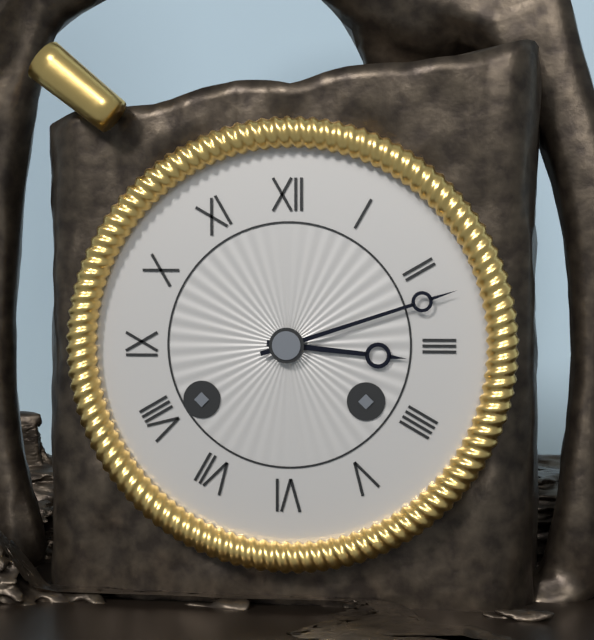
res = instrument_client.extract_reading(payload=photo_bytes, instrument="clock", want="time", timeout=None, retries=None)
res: 3:12
